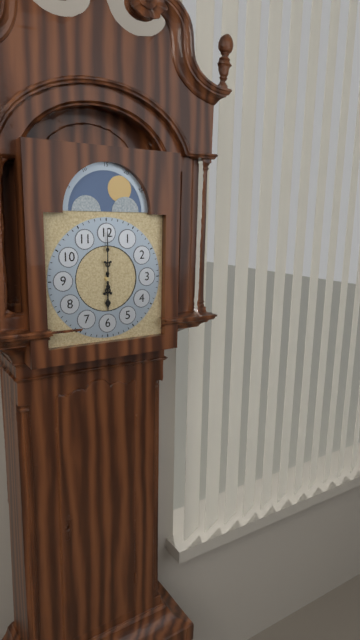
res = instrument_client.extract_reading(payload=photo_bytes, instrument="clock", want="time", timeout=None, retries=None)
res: 6:00
